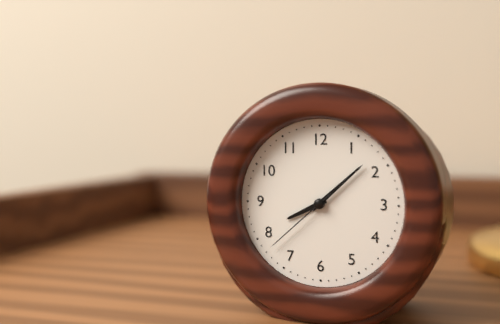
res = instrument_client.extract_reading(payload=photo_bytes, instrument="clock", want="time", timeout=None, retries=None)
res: 8:08:38
